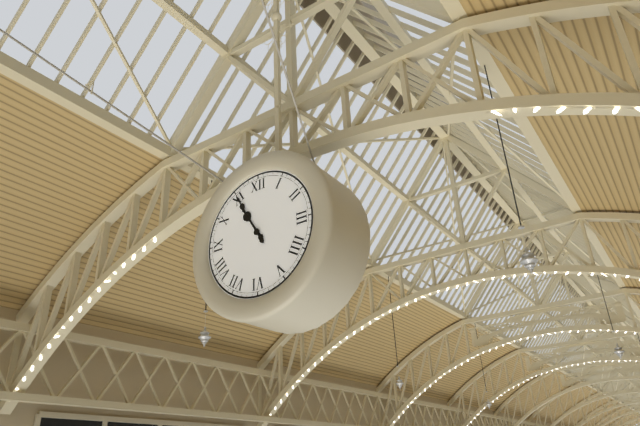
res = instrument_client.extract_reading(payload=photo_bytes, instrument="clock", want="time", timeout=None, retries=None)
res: 10:55
